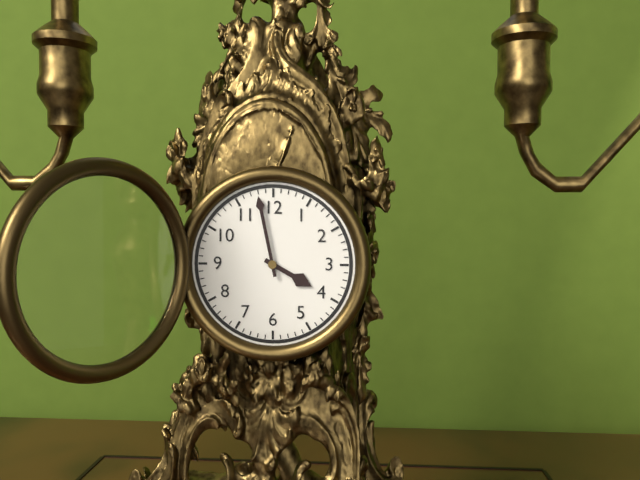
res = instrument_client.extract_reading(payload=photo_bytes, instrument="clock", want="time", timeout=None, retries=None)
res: 3:58
